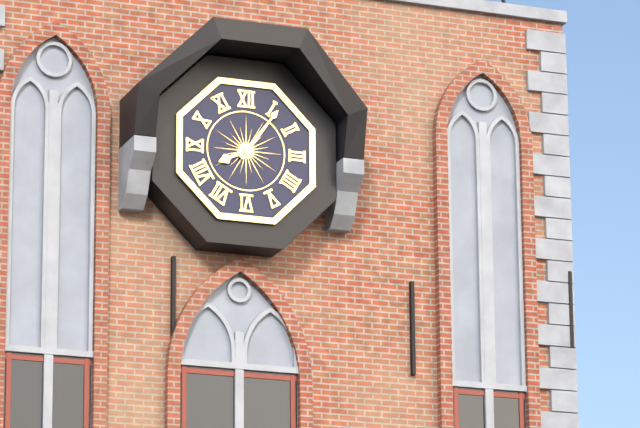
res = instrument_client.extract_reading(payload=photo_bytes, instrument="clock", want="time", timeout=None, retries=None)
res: 8:06
